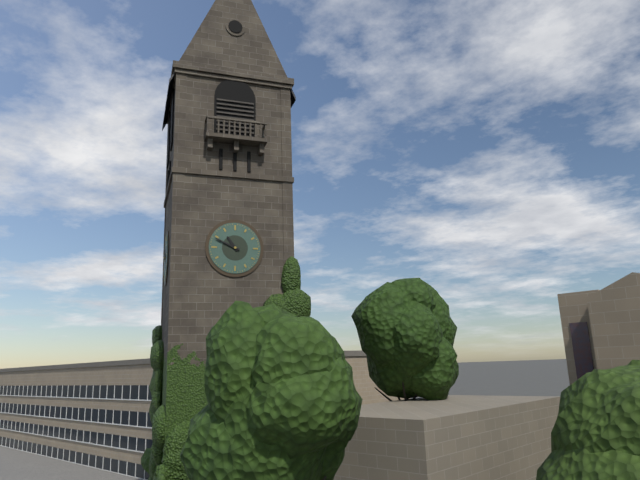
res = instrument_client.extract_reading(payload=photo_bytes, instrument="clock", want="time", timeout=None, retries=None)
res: 10:49
